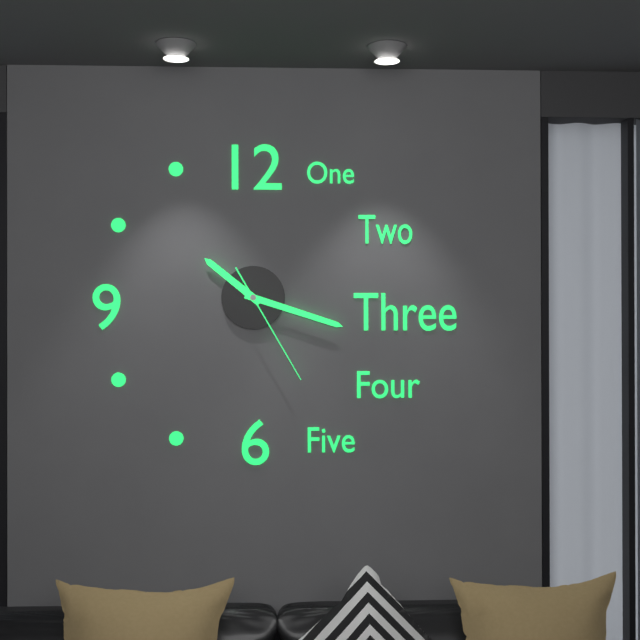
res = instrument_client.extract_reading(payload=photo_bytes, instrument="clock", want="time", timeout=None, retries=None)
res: 10:18:25
